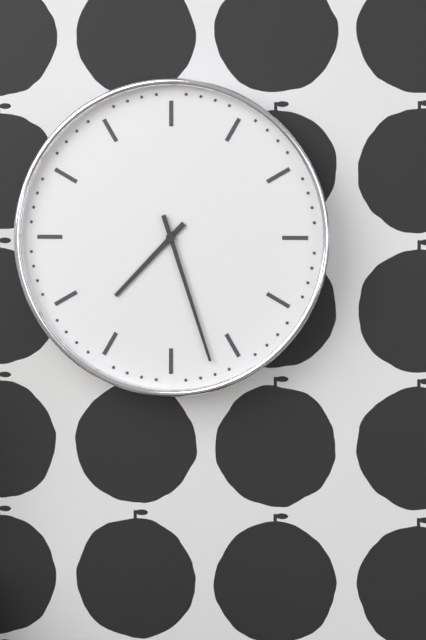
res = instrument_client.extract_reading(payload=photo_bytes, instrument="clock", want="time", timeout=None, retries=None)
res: 7:27
